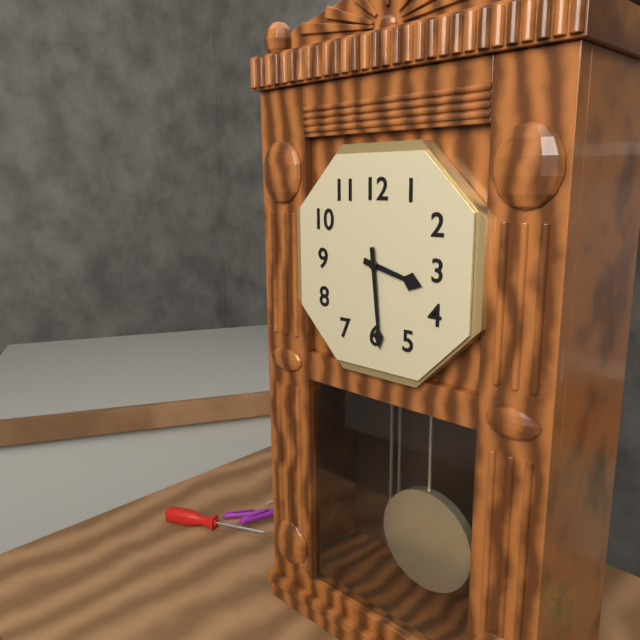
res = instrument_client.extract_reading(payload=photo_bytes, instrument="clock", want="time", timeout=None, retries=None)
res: 3:29
